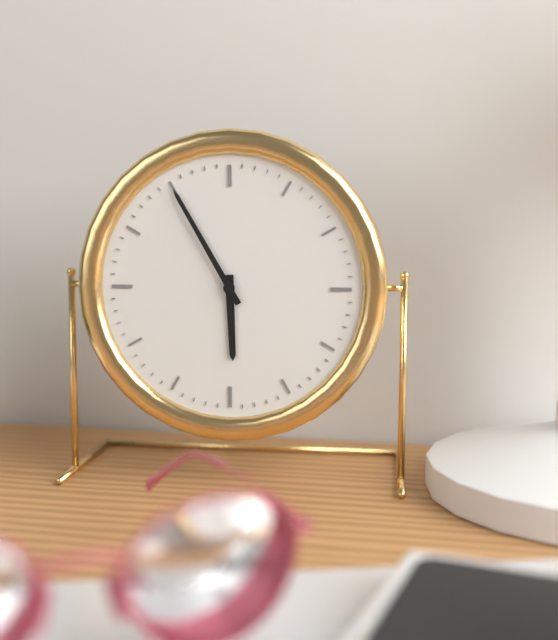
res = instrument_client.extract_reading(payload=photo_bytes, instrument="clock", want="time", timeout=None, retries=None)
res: 5:55
